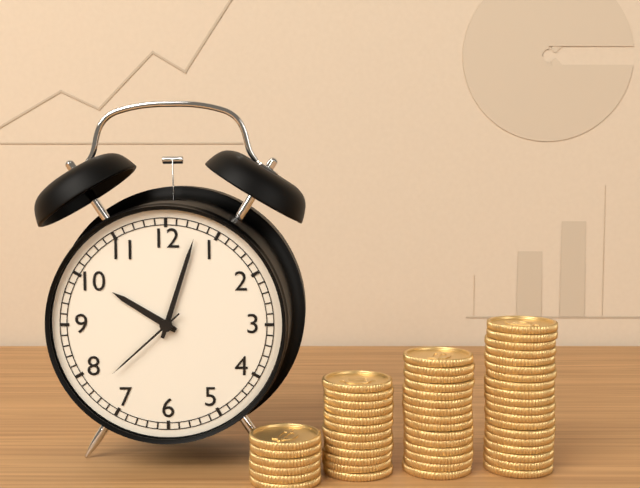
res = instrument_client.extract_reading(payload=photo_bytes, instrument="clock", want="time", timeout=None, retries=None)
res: 10:03:38
